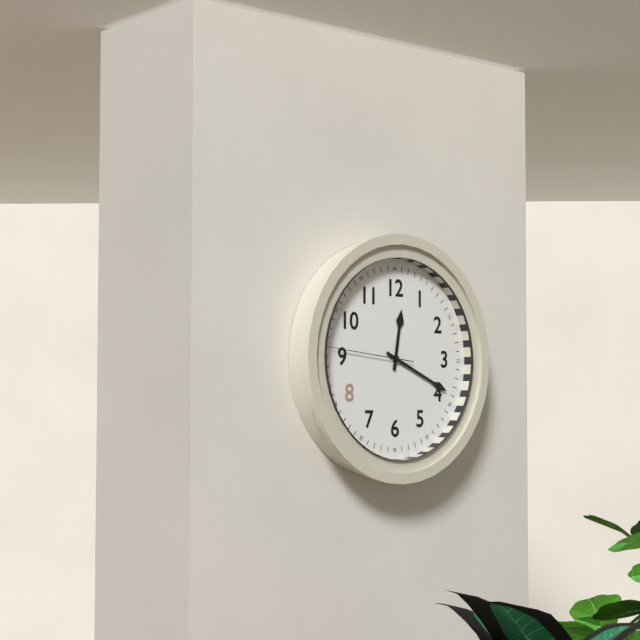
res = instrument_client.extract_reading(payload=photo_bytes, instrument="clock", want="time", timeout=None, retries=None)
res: 12:19:46
